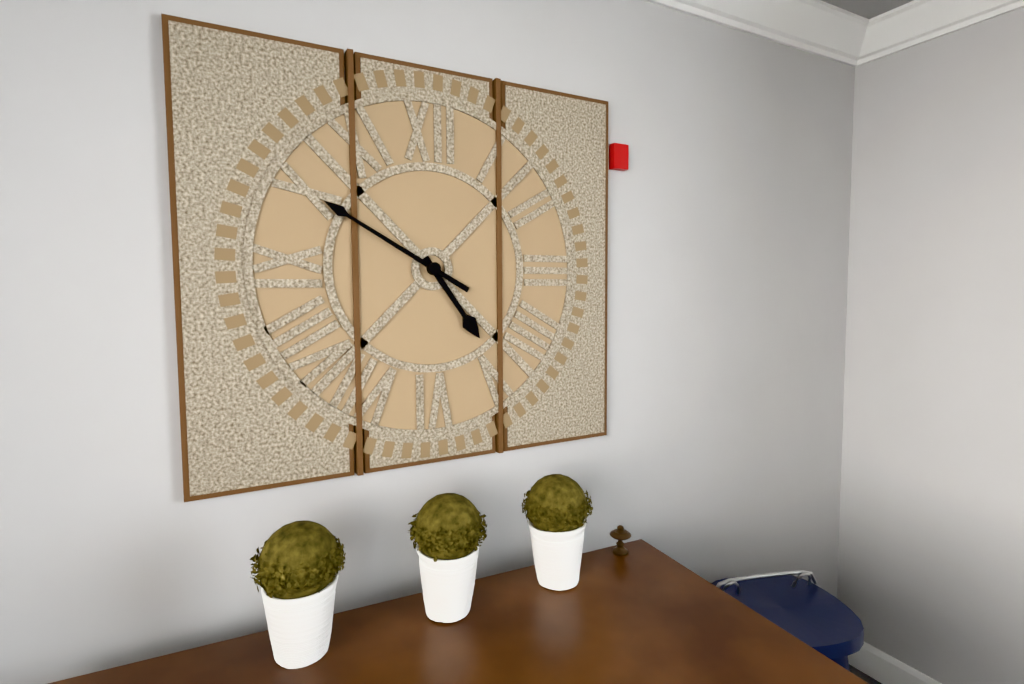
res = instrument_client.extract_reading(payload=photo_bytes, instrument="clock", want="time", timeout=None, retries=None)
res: 4:50
